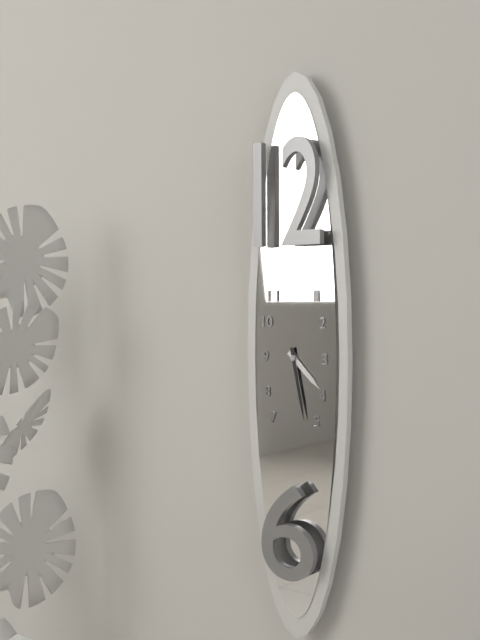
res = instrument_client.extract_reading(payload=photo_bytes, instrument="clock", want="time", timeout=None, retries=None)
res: 4:28
